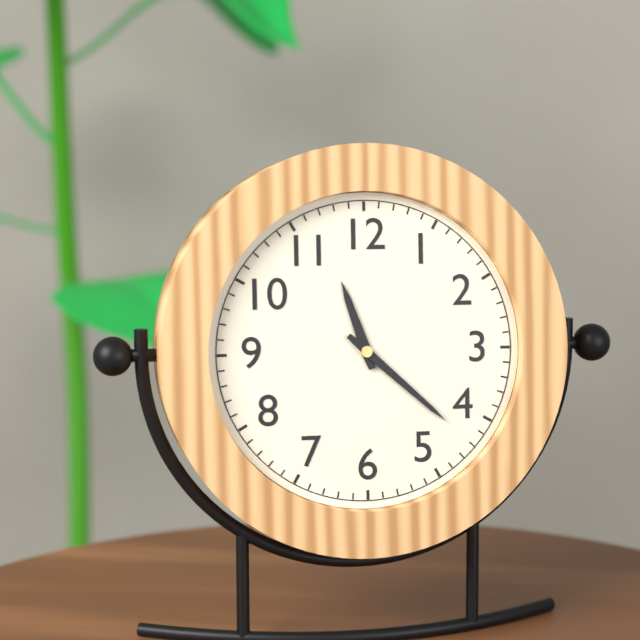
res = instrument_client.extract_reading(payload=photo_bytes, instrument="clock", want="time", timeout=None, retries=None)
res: 11:22
